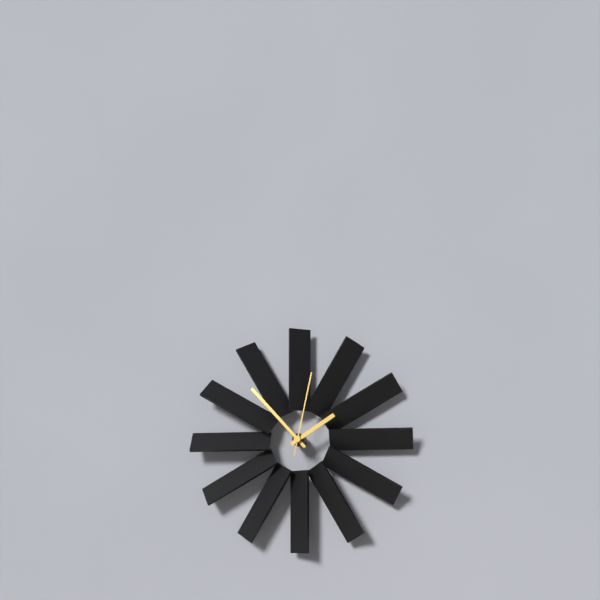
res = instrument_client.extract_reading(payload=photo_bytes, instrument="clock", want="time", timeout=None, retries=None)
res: 1:53:02
